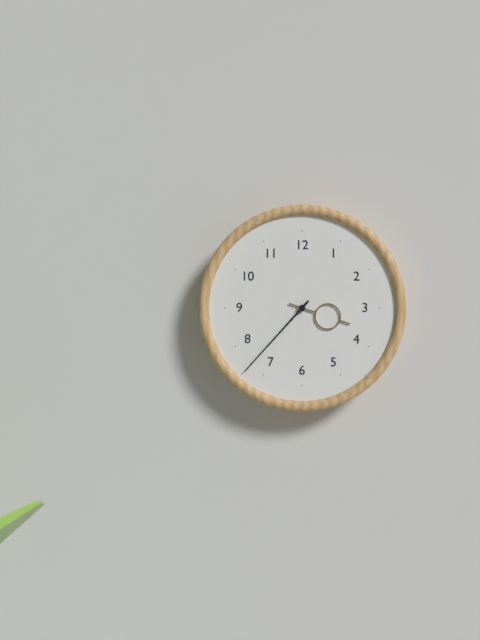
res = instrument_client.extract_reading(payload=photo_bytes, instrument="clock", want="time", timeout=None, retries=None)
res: 3:37
